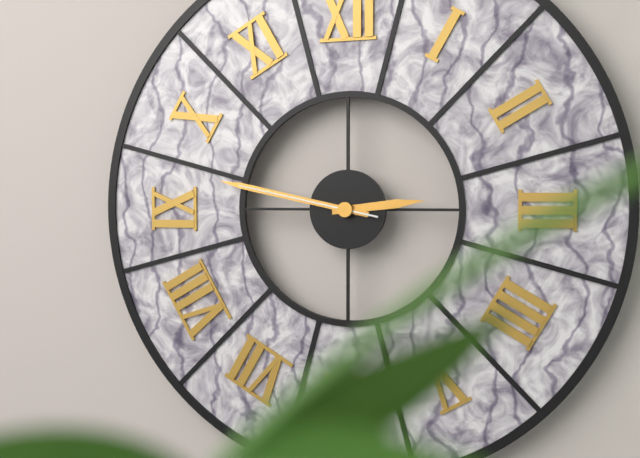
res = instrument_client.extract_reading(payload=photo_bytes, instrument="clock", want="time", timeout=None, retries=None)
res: 2:47:47
